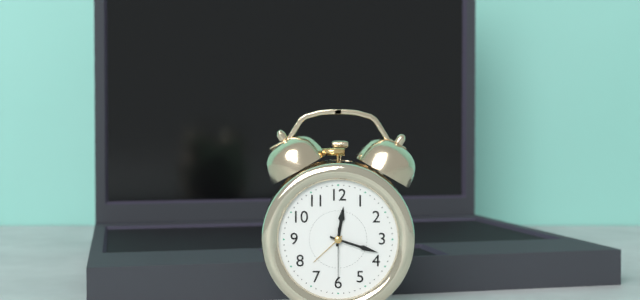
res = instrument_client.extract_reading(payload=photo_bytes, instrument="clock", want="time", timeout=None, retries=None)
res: 12:18:30
